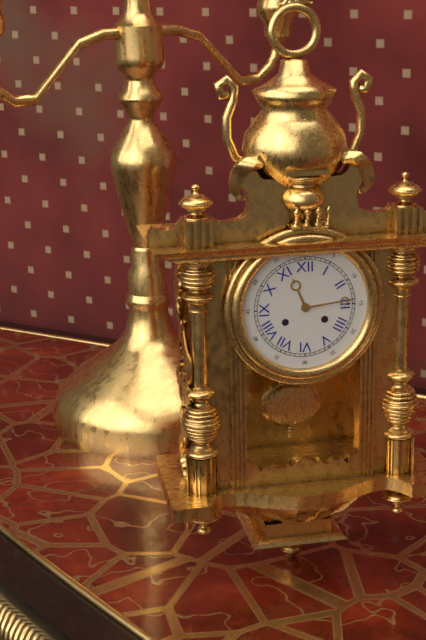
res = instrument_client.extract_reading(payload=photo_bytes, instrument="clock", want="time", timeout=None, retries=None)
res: 11:14
